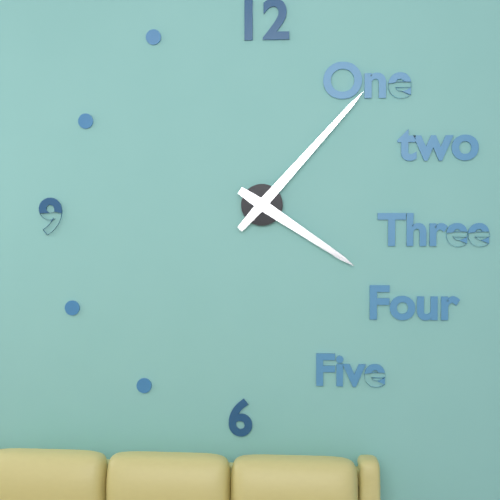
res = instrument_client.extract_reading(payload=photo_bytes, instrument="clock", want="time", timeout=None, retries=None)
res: 4:07
